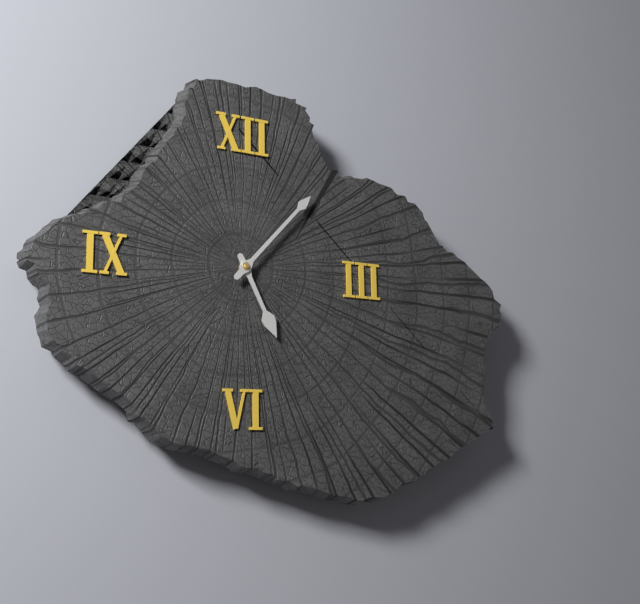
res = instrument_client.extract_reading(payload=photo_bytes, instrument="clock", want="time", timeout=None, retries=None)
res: 5:07
